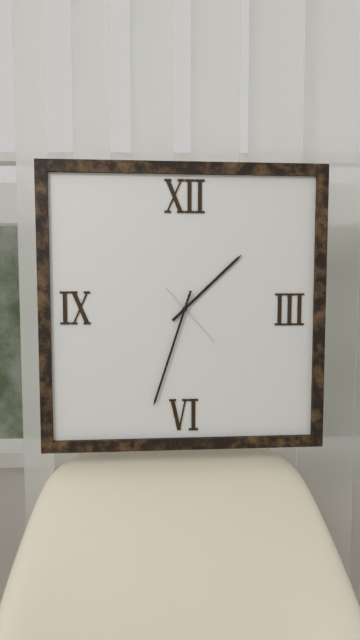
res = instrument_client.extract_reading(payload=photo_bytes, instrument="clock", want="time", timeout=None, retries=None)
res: 1:33:23
